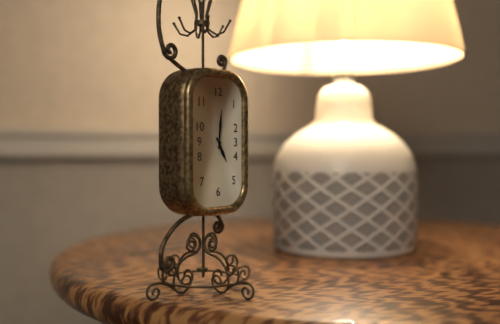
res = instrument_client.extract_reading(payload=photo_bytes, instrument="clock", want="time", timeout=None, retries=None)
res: 5:01
